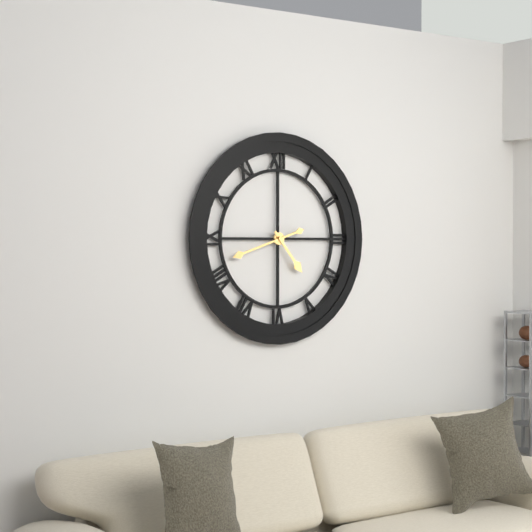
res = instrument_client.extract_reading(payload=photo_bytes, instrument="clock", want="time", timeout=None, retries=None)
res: 4:42
